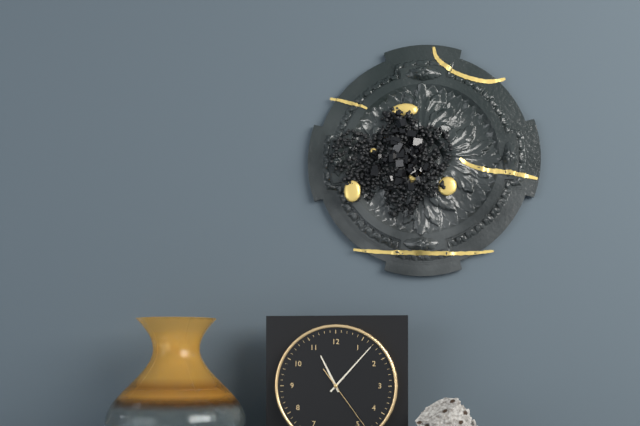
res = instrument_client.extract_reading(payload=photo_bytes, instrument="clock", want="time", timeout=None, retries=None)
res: 11:07
